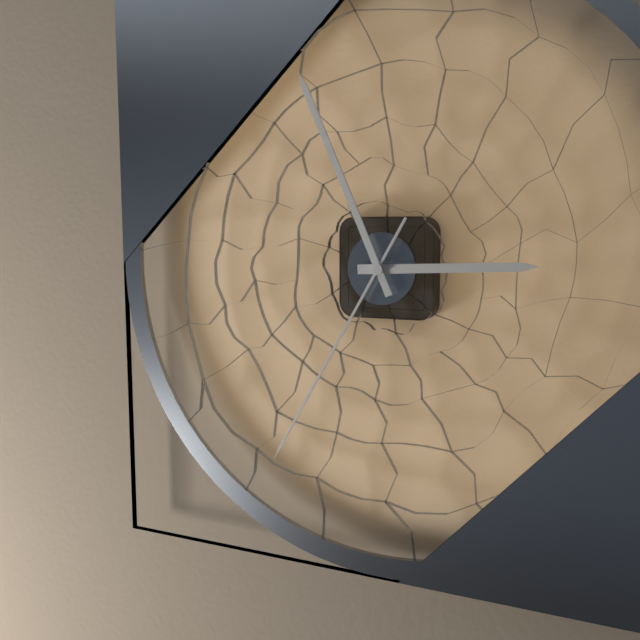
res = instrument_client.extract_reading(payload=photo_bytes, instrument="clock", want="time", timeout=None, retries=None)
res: 2:56:35
